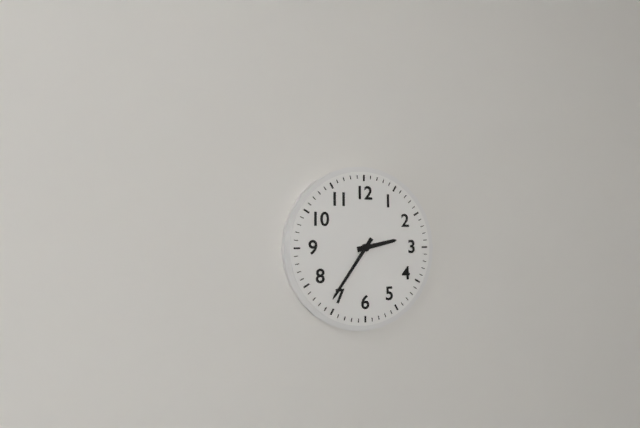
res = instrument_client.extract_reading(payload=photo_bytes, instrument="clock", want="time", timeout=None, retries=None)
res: 2:36
